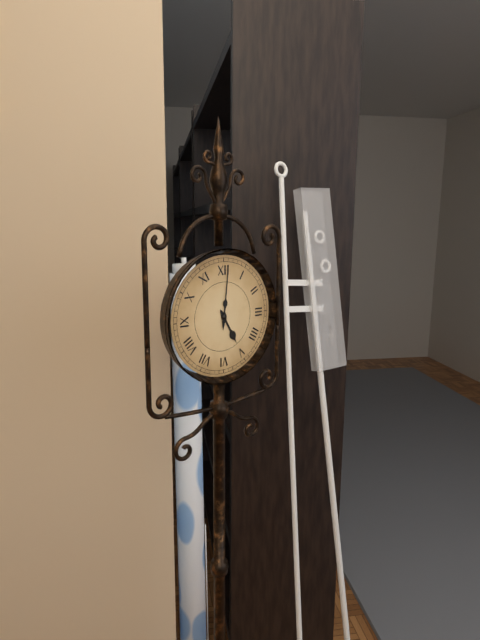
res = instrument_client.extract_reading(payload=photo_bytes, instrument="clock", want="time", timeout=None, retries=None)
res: 5:01
